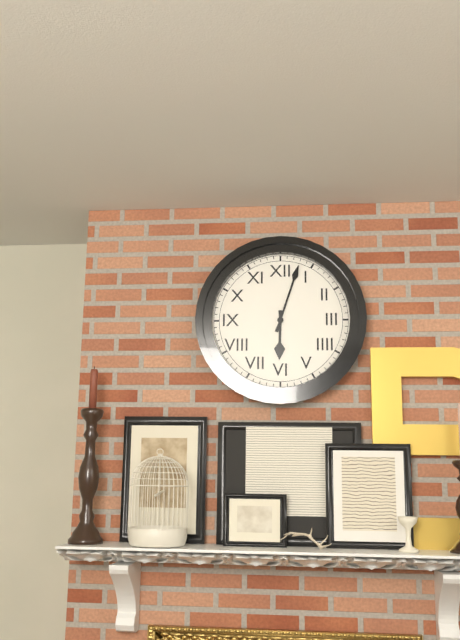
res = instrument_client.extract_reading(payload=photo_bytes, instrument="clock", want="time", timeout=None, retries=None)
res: 6:03
